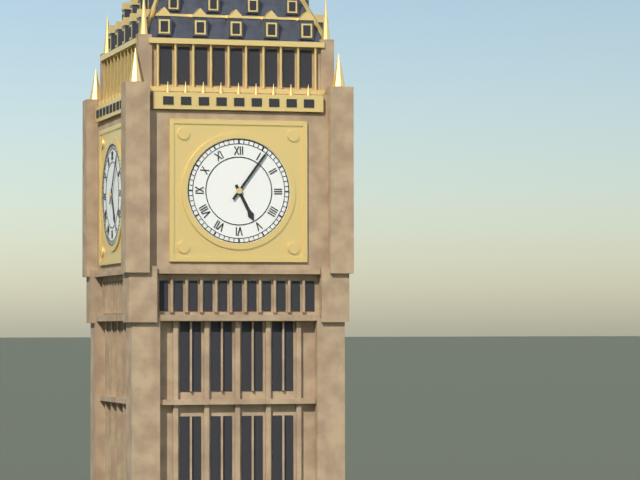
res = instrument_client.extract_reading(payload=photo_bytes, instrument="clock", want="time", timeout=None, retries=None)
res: 5:06
